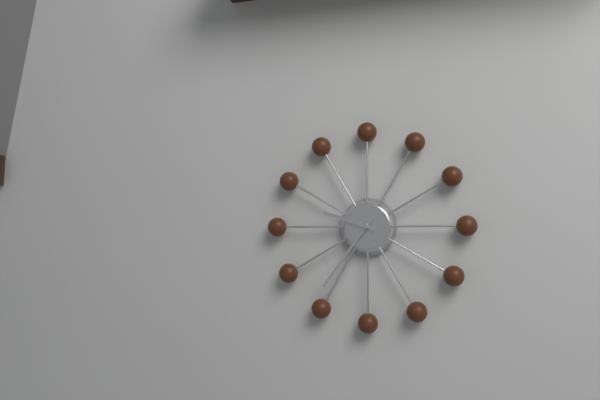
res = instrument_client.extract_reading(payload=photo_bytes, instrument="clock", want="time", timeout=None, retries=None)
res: 9:36
